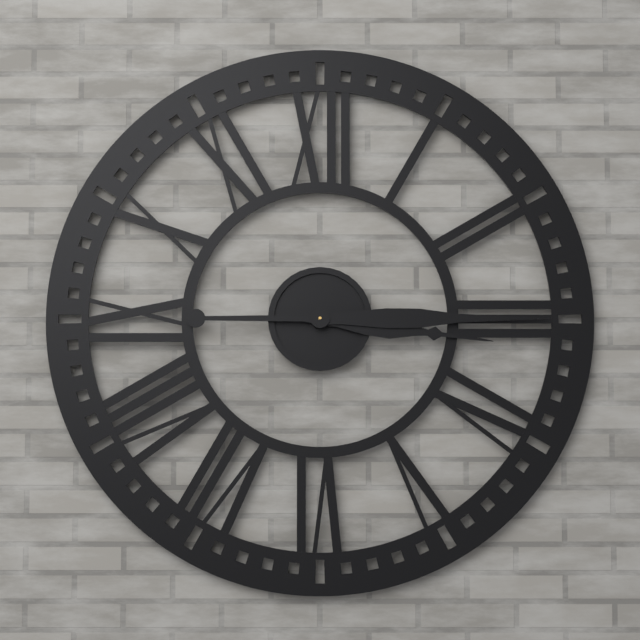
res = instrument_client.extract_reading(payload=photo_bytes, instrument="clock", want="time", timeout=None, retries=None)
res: 3:15
